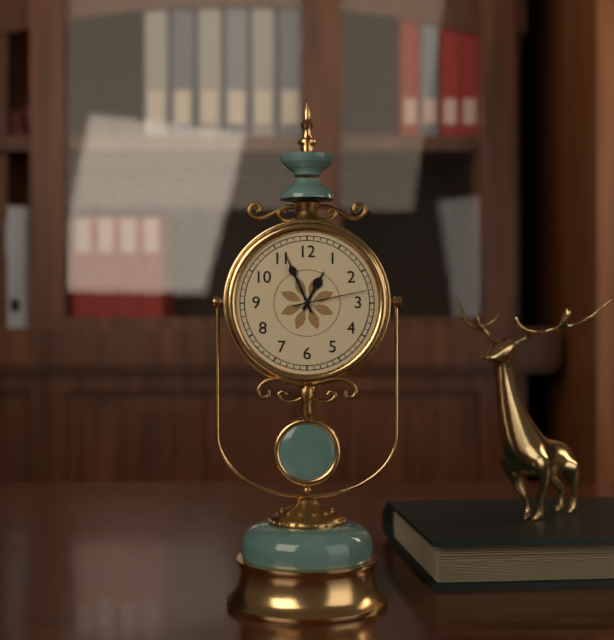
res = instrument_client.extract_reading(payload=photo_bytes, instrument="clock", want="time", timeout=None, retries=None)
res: 12:56:13
